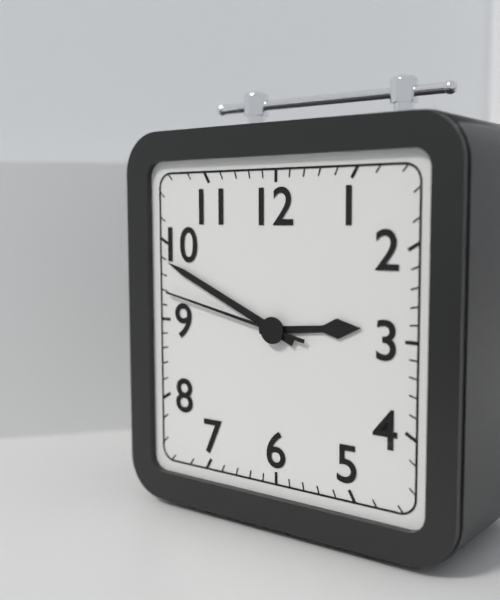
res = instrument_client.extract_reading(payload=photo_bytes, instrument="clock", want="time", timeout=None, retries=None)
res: 2:49:47
